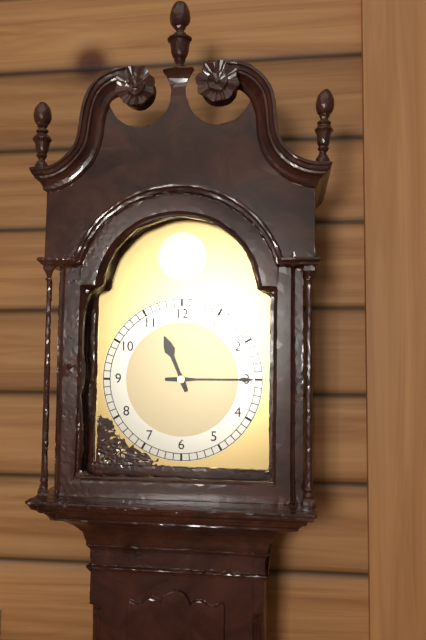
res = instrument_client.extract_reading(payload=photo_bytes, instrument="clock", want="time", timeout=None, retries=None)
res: 11:15
